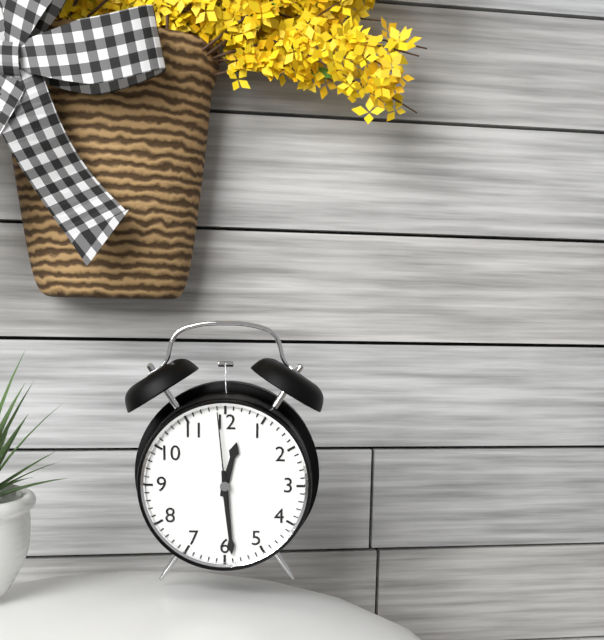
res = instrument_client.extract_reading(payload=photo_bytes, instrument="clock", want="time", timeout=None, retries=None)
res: 12:29:59
